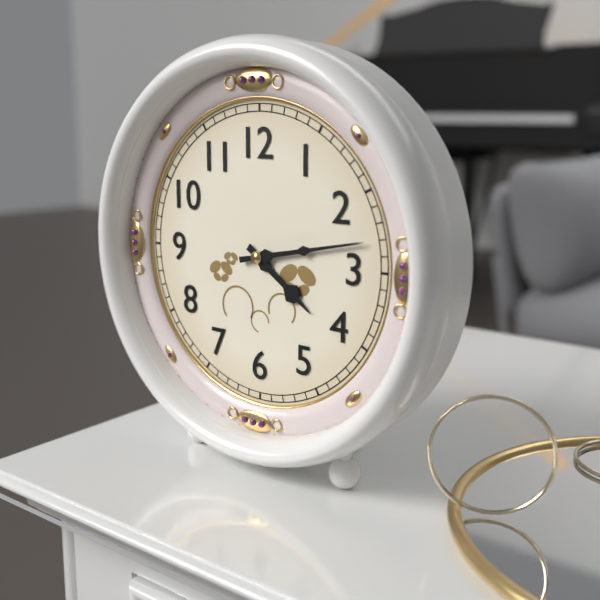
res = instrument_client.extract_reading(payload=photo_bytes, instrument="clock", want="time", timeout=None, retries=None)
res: 4:13
